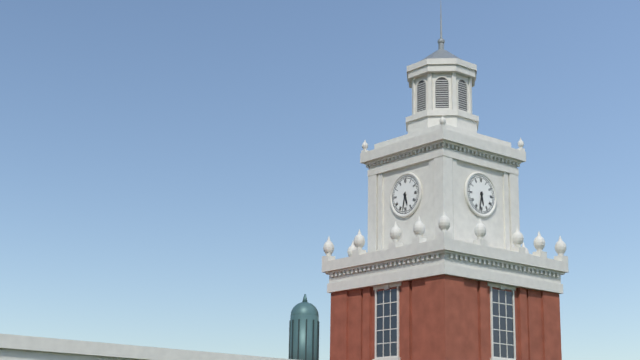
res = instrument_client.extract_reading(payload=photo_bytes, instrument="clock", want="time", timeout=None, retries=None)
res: 5:32
